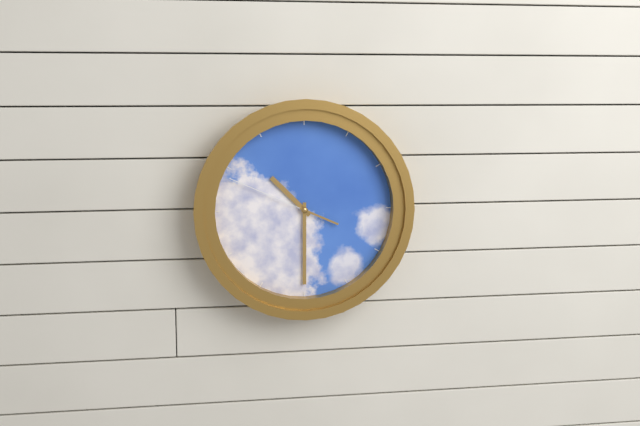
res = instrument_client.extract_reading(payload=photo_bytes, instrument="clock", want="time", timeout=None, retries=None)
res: 10:30:49
